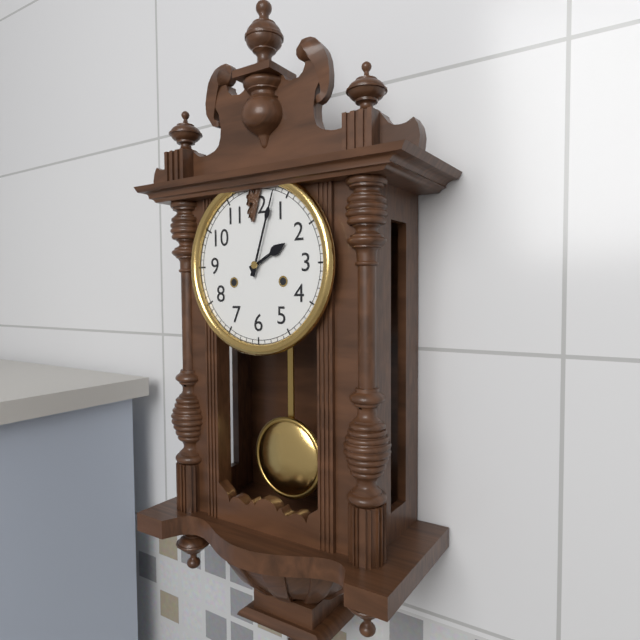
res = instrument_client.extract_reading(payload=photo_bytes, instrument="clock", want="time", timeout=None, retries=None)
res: 2:03
